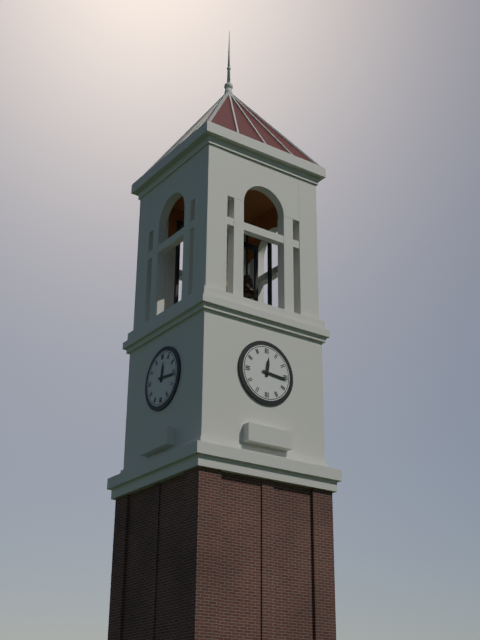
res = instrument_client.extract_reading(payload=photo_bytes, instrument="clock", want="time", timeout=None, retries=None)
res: 12:16
